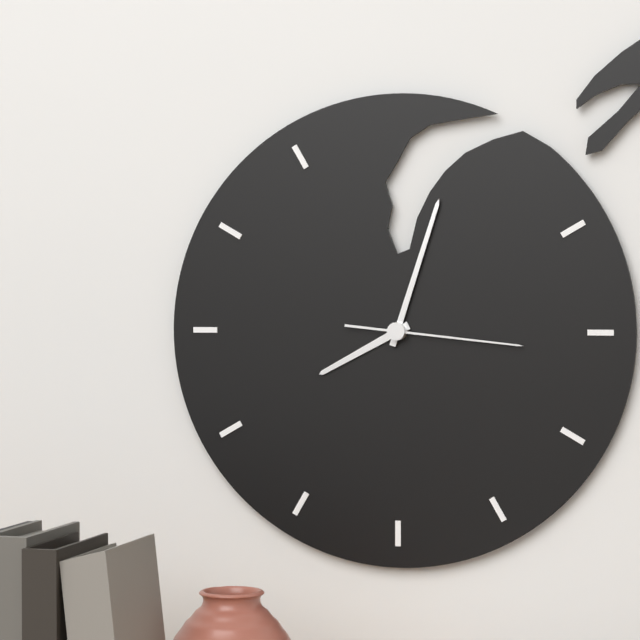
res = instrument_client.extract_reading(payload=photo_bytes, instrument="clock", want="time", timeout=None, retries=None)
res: 8:03:16
